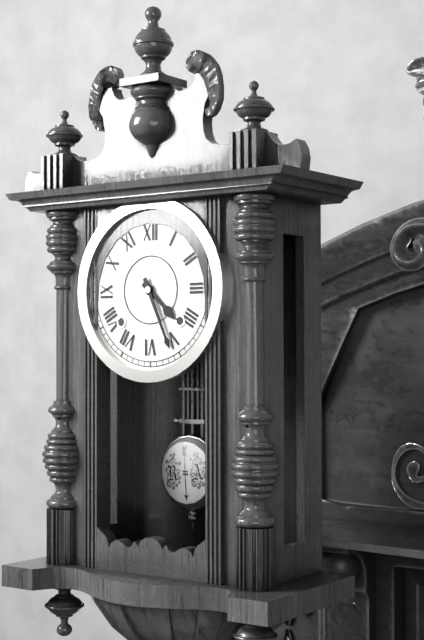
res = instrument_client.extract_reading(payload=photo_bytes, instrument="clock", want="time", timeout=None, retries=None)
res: 4:26
